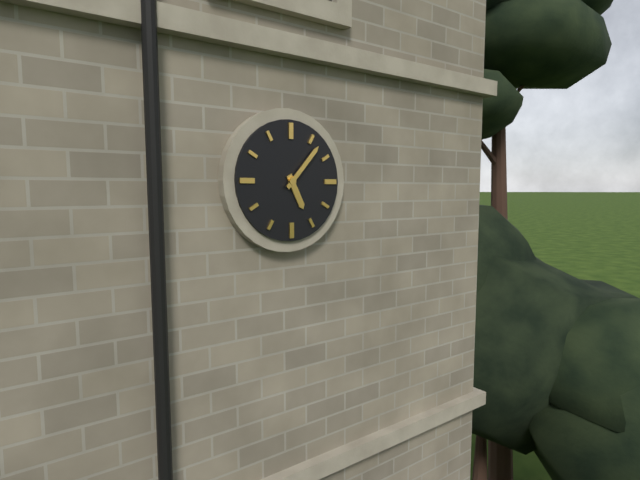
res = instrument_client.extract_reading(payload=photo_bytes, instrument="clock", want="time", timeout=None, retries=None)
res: 5:07
